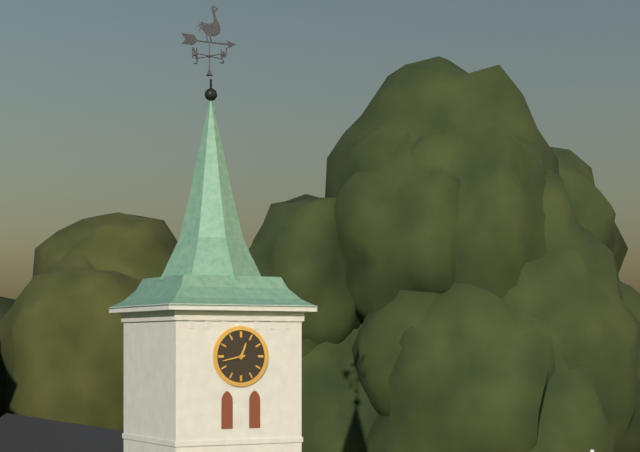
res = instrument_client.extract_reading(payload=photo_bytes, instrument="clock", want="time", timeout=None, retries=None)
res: 12:43
